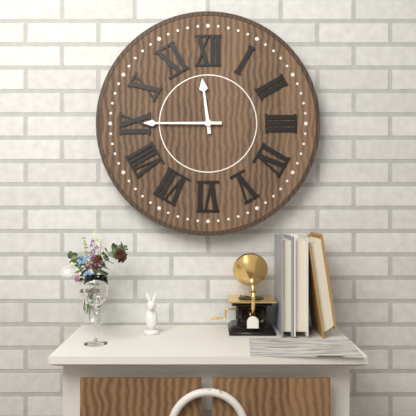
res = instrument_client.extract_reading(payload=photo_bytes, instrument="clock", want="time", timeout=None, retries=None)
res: 11:45
